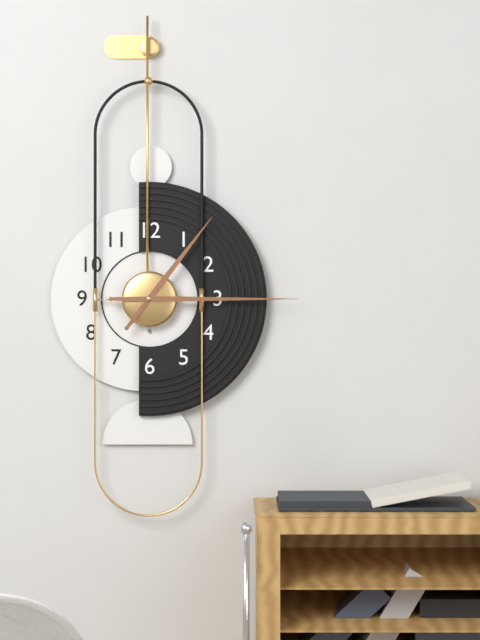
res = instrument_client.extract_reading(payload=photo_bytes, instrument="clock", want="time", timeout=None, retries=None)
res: 1:15
